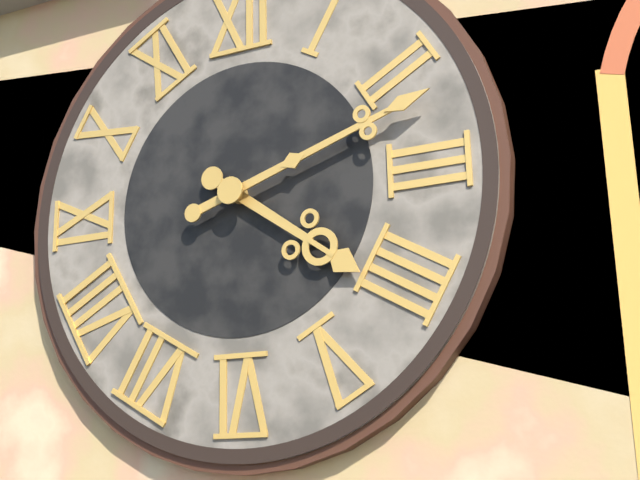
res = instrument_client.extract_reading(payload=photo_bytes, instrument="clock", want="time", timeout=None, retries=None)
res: 4:12
